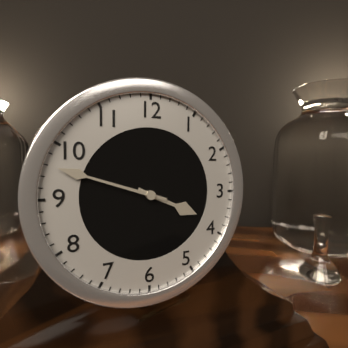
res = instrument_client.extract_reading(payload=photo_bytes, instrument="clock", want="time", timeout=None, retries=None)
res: 3:48
